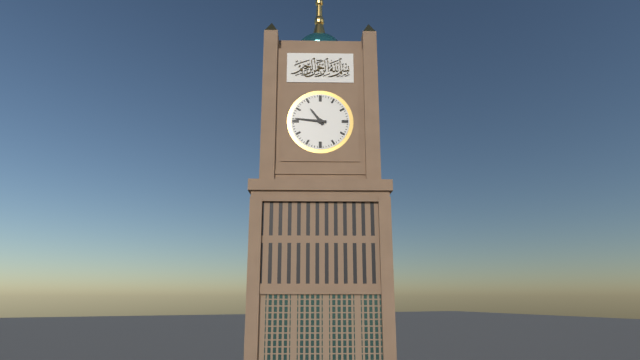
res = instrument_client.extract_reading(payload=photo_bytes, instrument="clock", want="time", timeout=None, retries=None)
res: 10:46
